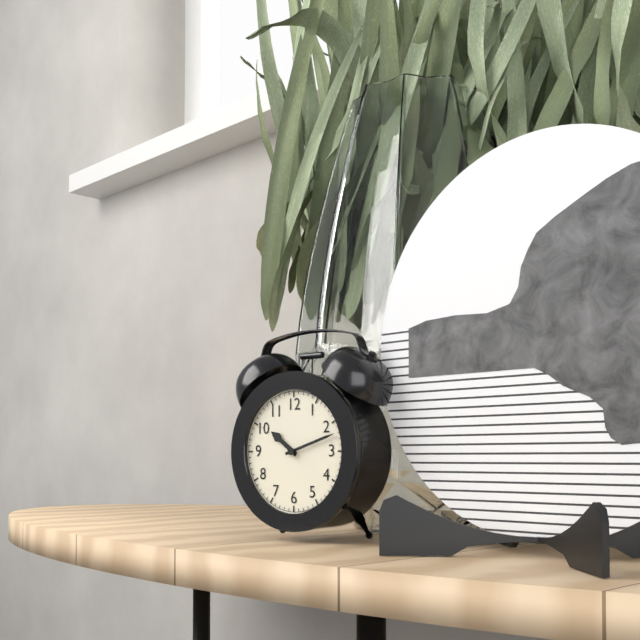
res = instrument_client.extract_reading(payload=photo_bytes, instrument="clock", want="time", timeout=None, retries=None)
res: 10:12
